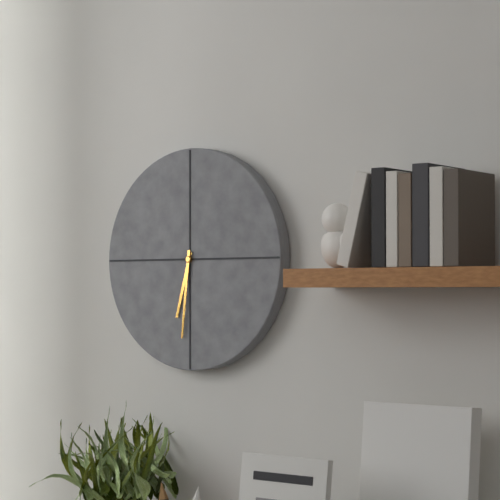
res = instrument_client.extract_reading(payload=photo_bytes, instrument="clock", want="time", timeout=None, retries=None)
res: 6:31
